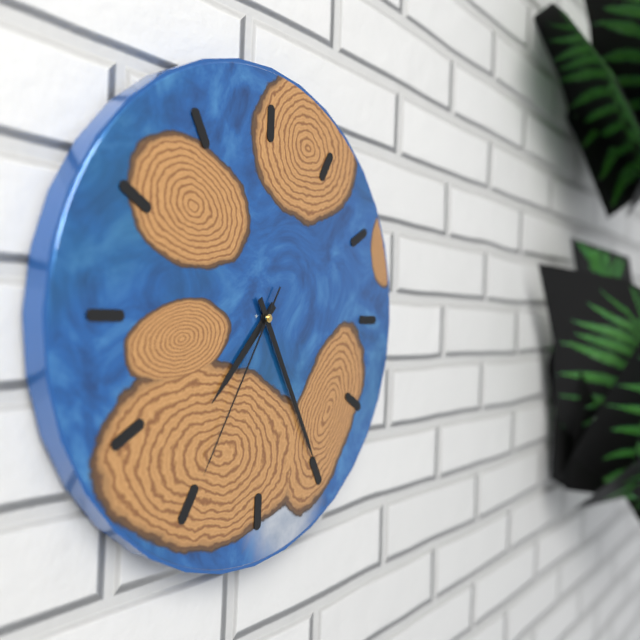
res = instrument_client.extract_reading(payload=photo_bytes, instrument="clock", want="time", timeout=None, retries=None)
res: 7:25:35
